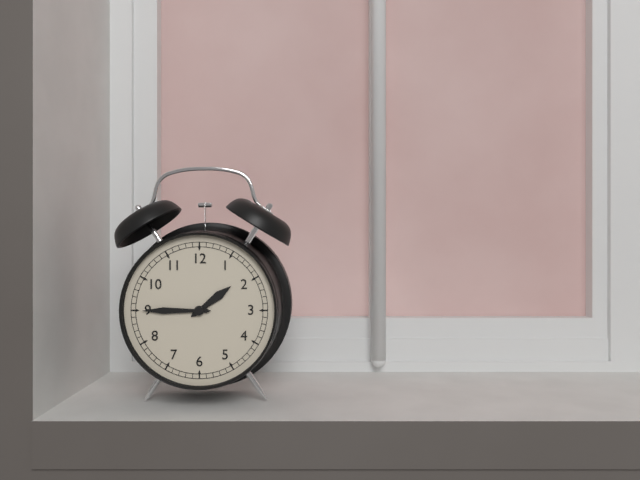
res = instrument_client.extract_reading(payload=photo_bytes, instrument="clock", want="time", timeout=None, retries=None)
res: 1:45
